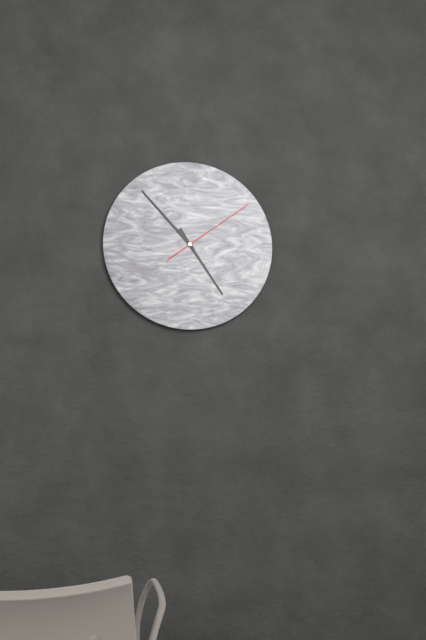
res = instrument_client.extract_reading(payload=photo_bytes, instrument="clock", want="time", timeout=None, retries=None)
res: 4:53:09
